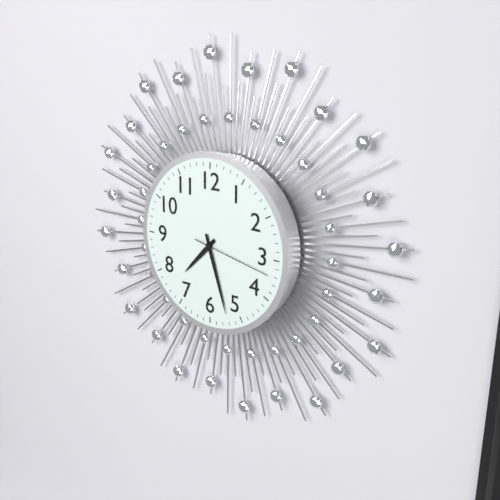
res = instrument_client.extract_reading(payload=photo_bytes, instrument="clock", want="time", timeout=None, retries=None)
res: 7:27:17
